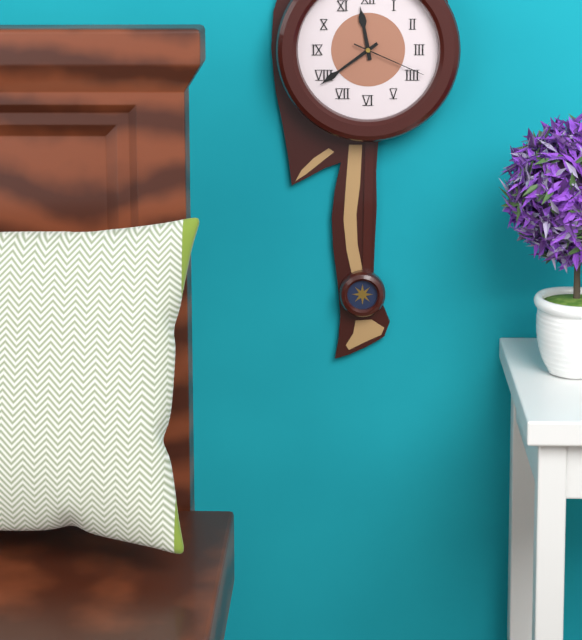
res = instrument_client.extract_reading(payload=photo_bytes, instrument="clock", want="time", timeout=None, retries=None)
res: 11:39:19
